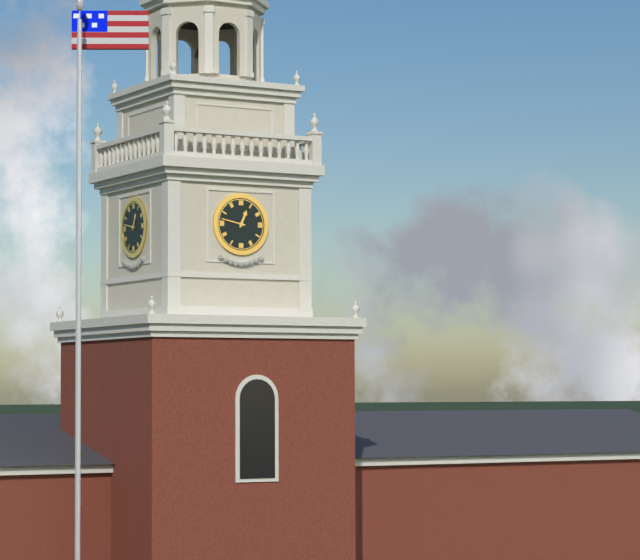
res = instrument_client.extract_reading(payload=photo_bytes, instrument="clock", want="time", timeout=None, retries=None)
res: 12:47
